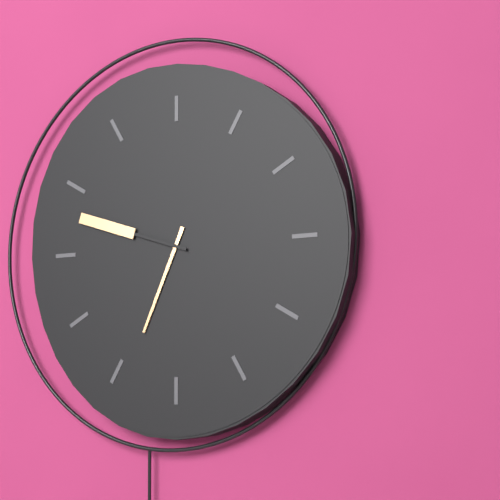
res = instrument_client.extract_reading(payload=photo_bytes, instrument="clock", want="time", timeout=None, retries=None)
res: 6:48
